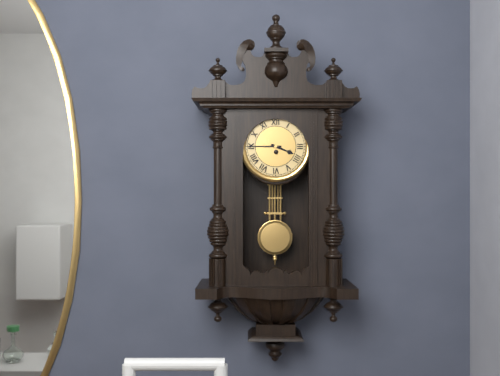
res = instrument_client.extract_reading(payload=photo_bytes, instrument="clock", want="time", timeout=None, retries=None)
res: 3:45
